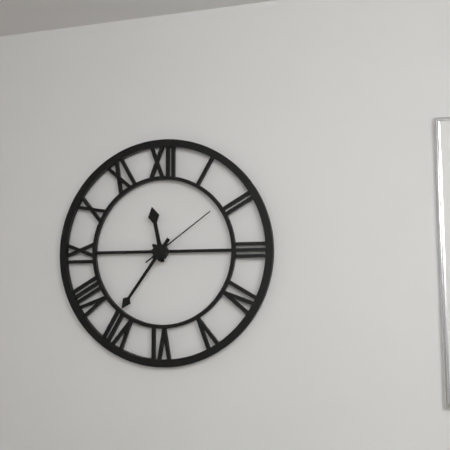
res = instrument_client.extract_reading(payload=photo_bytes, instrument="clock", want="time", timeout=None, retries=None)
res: 11:36:09
